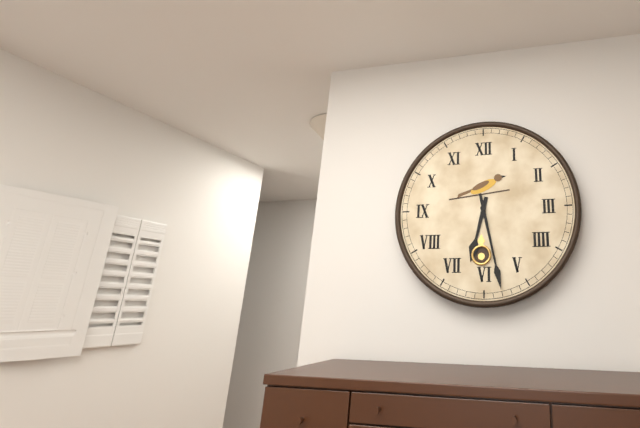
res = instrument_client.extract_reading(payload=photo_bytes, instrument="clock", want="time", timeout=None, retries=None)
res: 6:28
